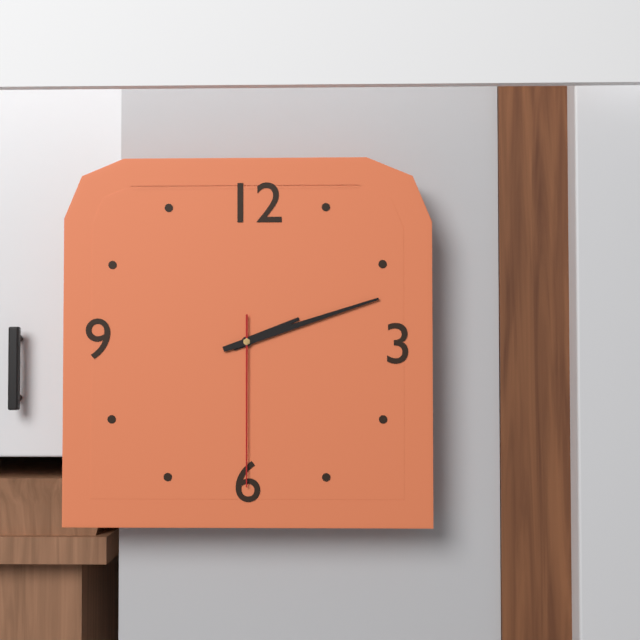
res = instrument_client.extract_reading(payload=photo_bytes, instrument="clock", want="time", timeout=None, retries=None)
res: 2:12:30
